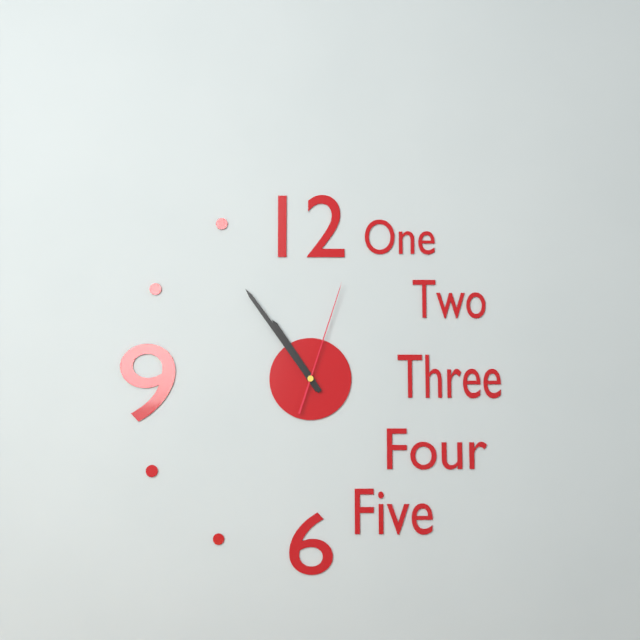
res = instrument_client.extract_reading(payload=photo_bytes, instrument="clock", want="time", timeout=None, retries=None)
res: 10:54:03
